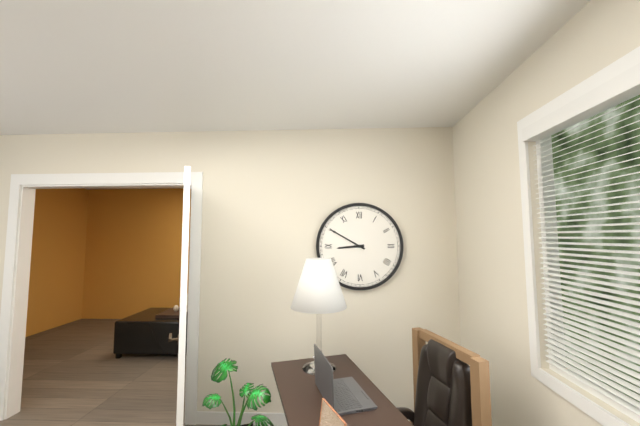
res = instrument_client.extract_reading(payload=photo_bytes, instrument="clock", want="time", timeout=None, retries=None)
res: 8:50
